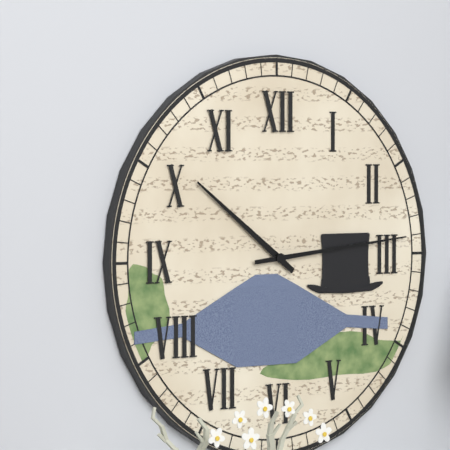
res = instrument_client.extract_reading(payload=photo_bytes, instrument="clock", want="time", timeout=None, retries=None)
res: 10:14
